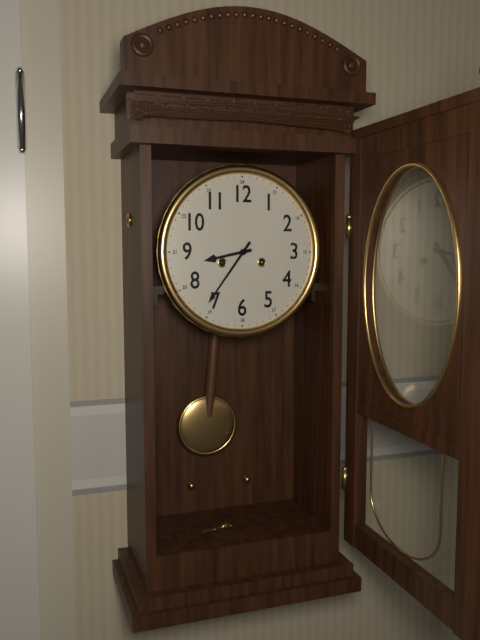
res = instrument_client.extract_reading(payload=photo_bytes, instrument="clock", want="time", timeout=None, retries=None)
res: 8:36
